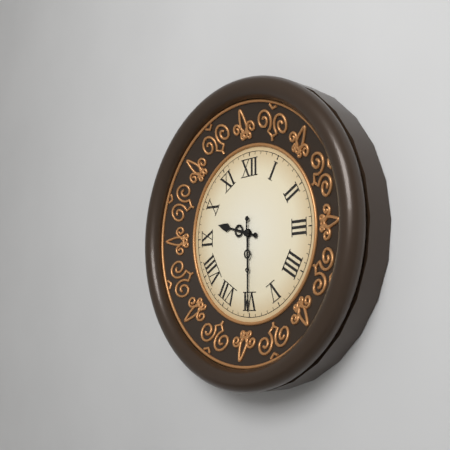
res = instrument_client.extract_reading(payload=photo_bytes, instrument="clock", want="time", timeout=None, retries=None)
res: 9:30
